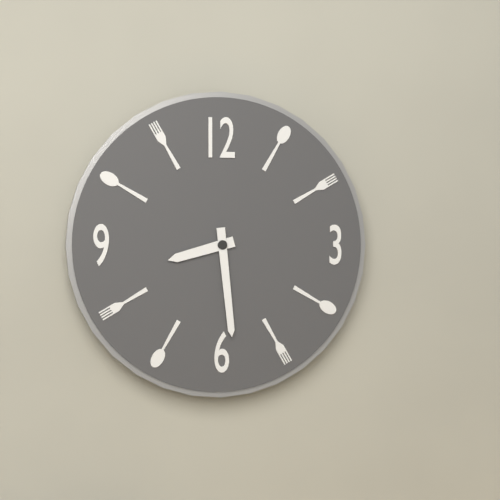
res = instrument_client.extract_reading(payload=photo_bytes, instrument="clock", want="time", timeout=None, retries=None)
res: 8:29
